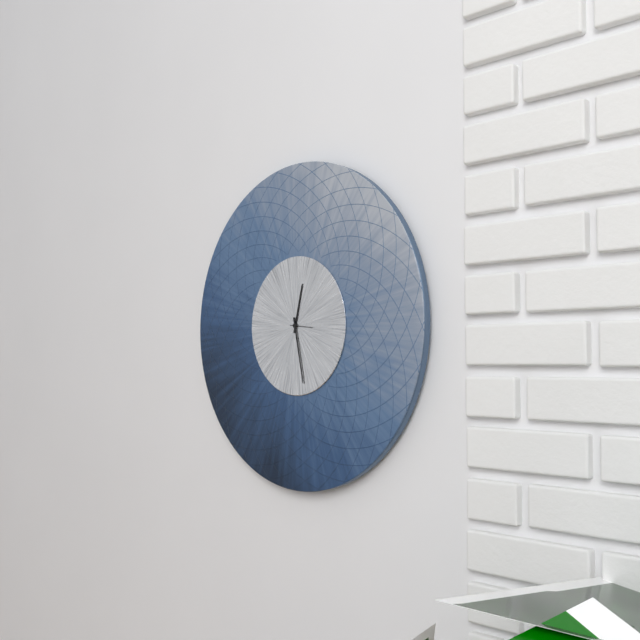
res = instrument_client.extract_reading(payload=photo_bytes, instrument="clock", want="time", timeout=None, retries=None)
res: 12:28
